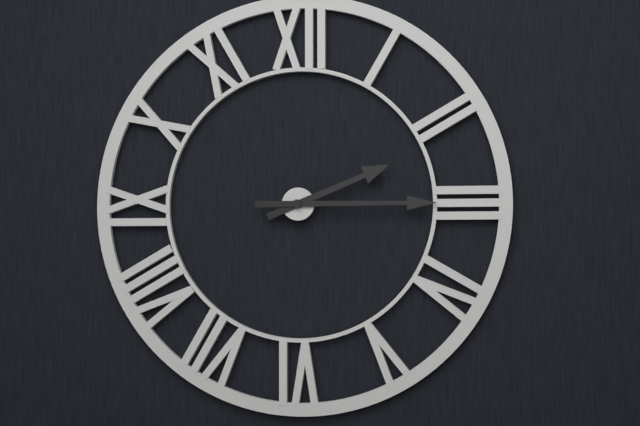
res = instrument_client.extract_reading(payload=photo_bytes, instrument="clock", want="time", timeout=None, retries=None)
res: 2:15
